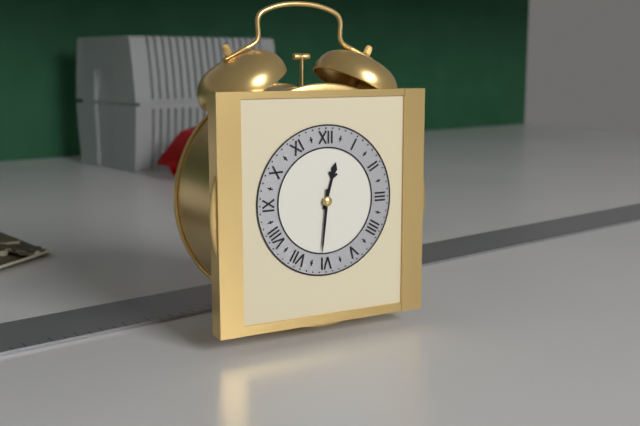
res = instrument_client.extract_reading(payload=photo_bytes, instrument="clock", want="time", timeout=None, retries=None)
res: 12:31
